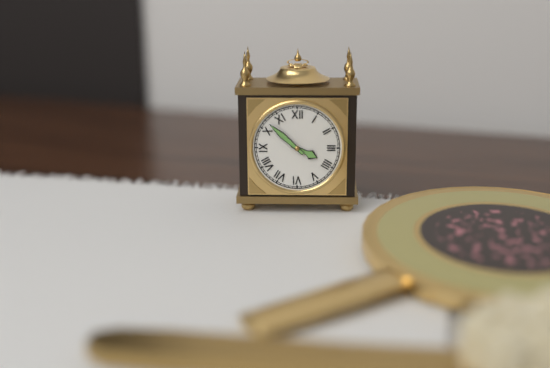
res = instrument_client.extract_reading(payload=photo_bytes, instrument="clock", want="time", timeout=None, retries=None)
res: 3:52
